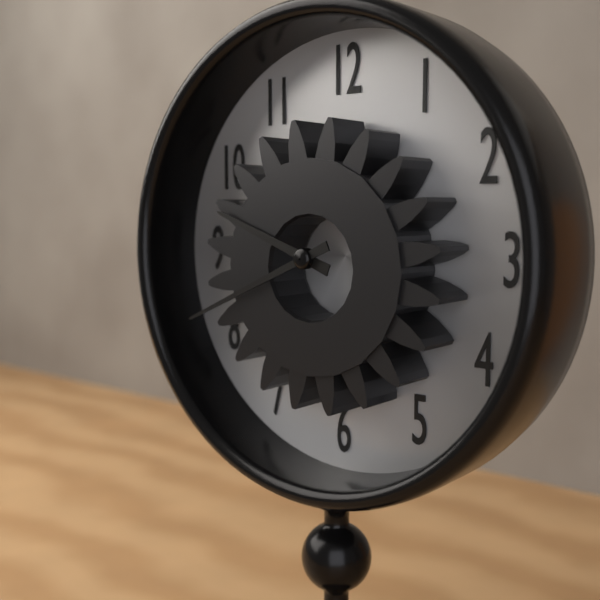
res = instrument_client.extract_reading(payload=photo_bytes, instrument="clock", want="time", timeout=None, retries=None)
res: 9:41
